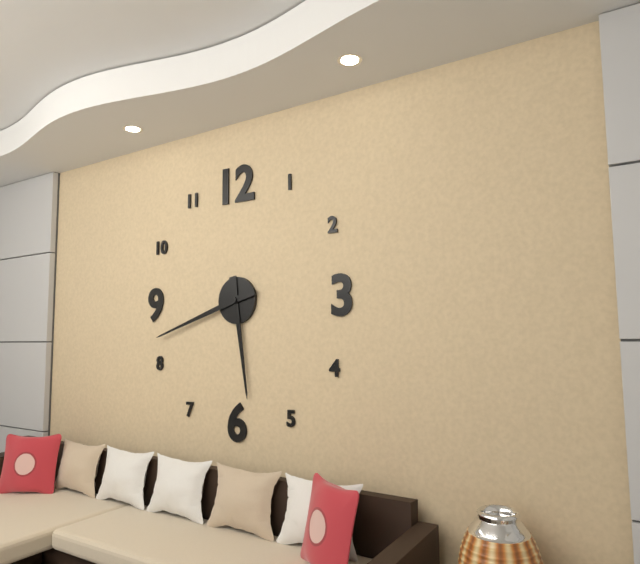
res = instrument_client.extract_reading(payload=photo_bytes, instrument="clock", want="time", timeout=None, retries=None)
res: 5:42
